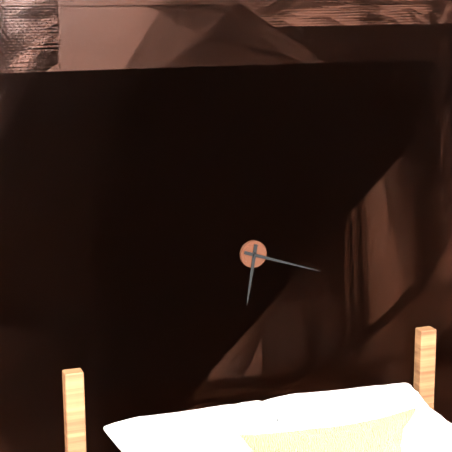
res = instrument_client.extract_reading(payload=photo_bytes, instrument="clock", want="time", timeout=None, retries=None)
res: 6:18
